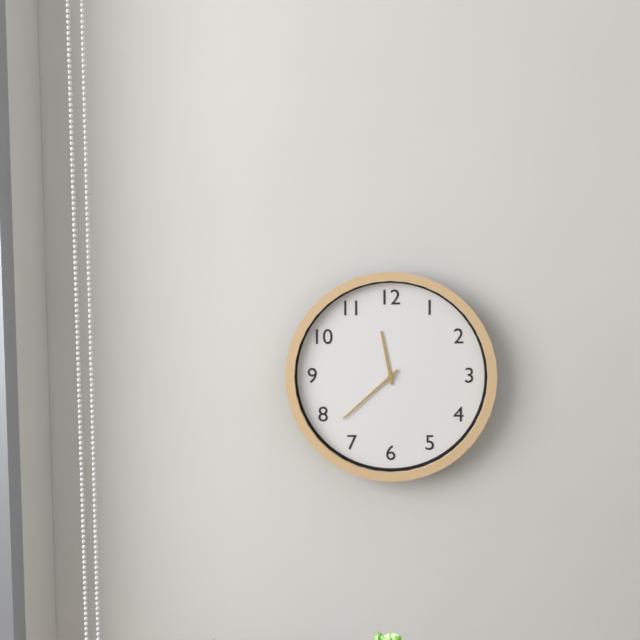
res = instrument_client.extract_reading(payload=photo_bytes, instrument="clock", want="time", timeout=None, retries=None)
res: 11:38
